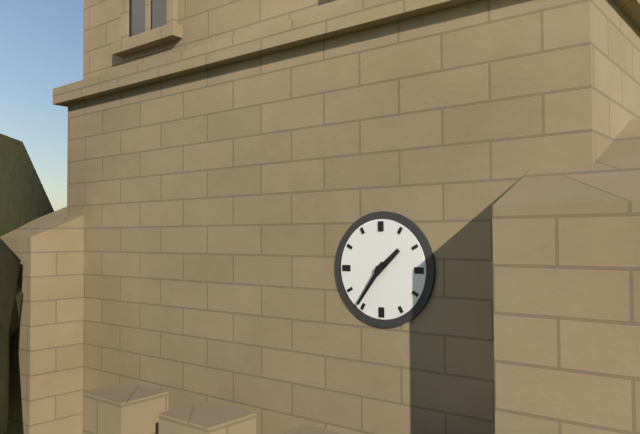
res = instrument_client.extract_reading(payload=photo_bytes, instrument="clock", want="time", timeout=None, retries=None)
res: 1:36
